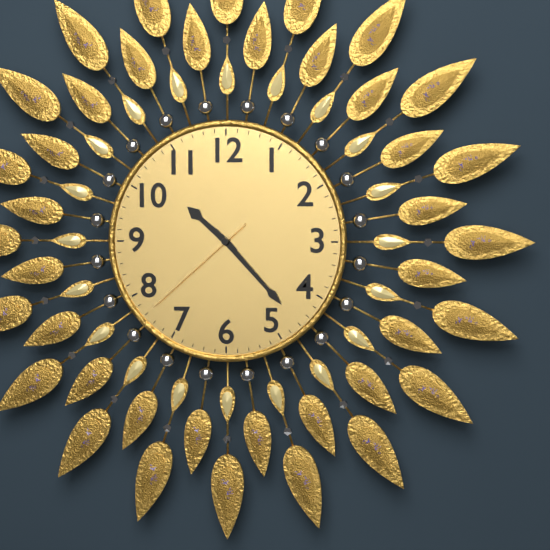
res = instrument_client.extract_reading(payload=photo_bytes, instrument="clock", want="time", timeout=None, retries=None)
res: 10:23:38
